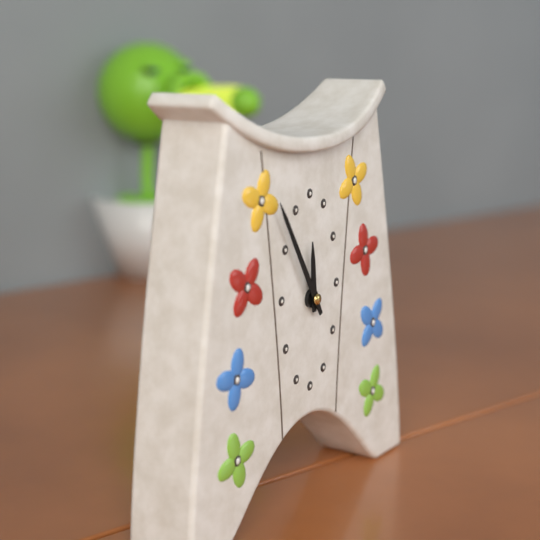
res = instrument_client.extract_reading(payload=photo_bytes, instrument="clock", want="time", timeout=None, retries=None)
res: 11:55
